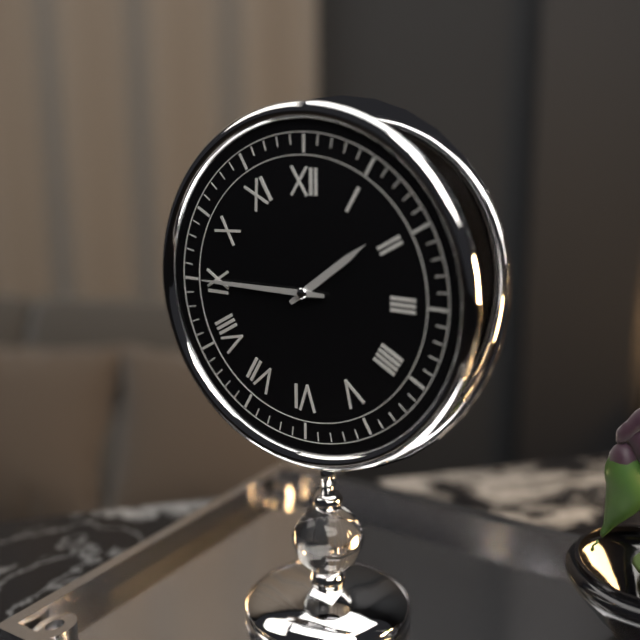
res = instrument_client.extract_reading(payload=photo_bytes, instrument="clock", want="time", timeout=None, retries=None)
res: 1:45
